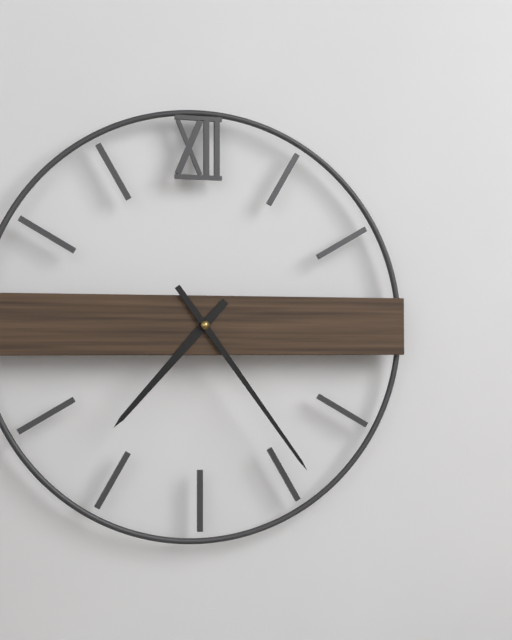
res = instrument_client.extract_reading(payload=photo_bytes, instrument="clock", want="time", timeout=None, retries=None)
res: 7:24
